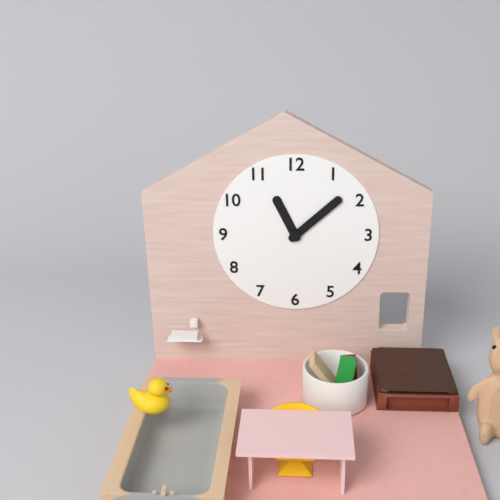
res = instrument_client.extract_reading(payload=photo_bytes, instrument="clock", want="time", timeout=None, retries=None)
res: 11:08
